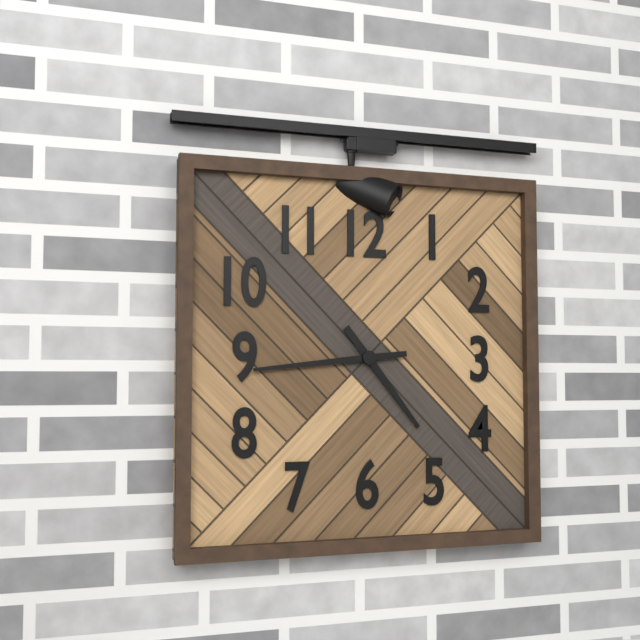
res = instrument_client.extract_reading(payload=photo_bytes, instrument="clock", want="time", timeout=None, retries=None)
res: 4:44
